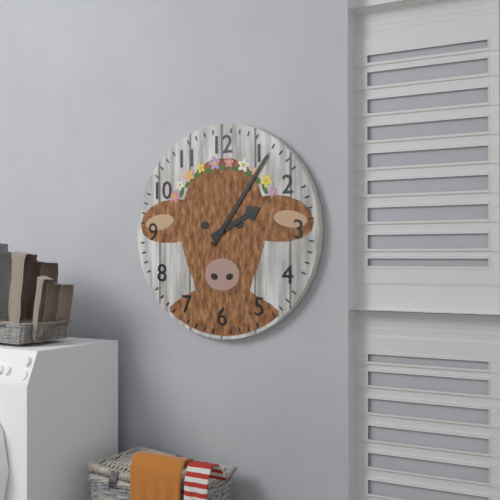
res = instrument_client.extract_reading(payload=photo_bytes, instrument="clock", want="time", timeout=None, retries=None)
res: 2:06
